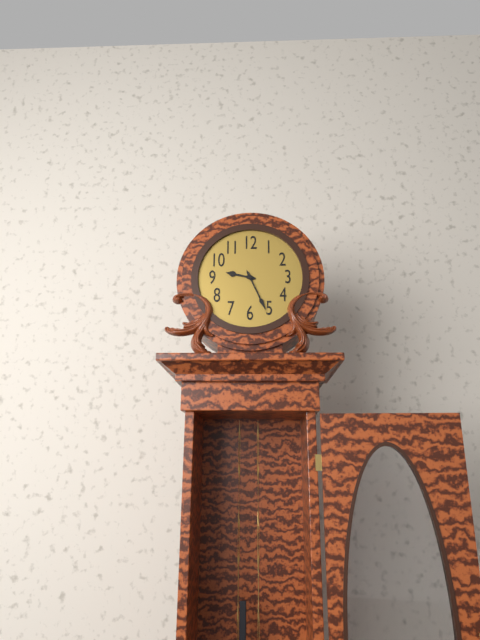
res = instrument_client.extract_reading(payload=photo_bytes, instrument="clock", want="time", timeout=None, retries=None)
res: 9:26
